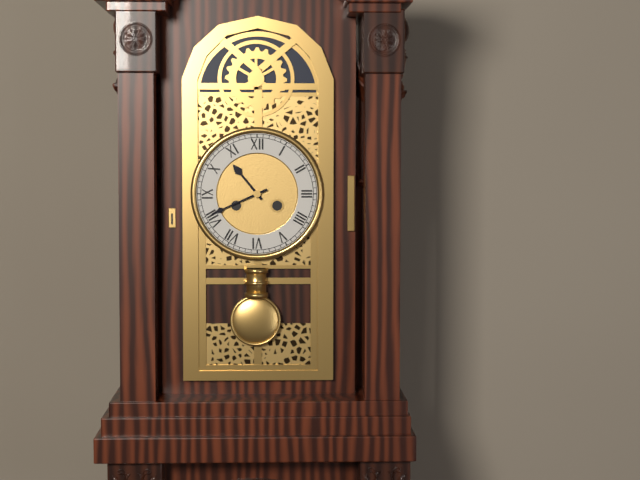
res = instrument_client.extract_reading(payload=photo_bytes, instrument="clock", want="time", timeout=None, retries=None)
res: 10:41
